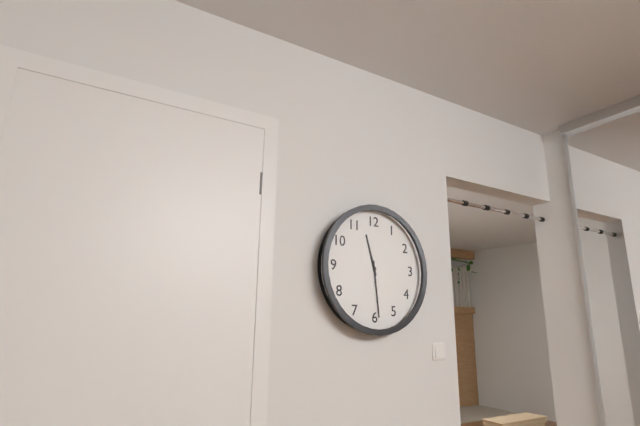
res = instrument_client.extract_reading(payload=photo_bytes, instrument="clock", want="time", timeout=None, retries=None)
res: 11:29
